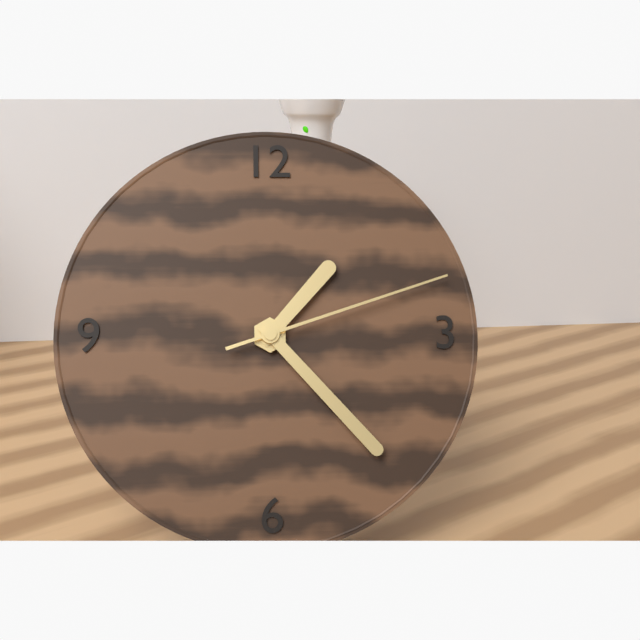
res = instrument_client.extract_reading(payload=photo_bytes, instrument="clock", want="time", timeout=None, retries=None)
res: 1:23:12
